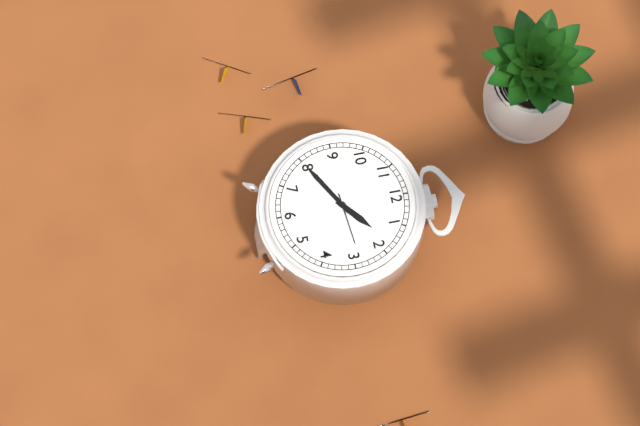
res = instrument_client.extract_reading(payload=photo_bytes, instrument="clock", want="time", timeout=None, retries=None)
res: 1:40:14
